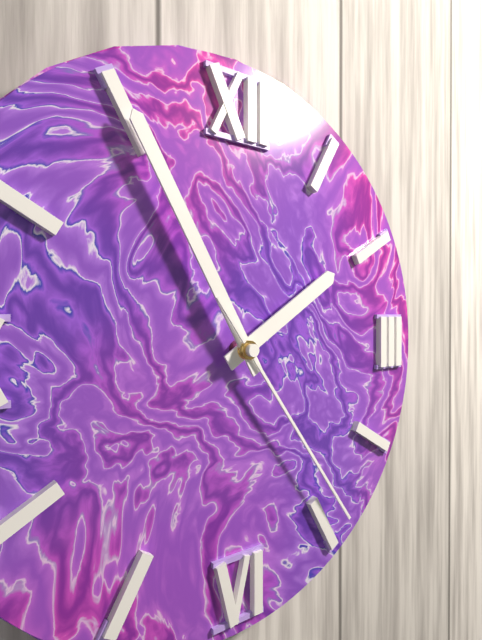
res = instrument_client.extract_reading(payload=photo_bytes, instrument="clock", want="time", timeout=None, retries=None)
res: 1:55:24
